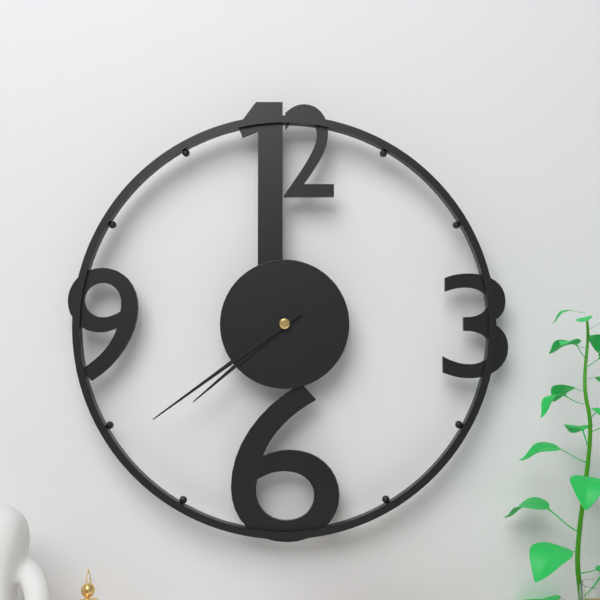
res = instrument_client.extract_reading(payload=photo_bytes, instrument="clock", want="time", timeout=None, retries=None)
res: 7:39
